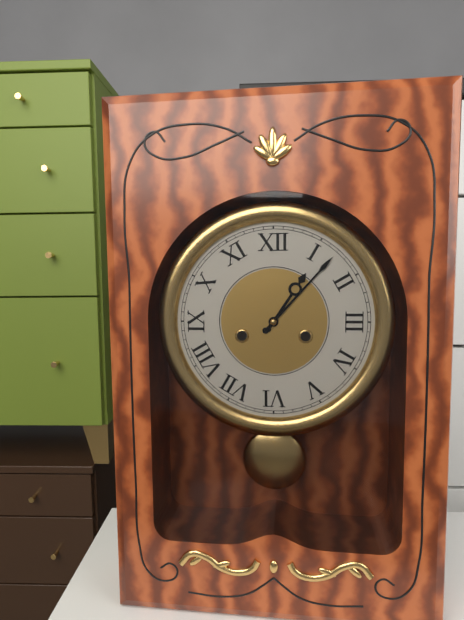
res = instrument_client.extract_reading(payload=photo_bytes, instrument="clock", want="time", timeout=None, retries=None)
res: 1:07
